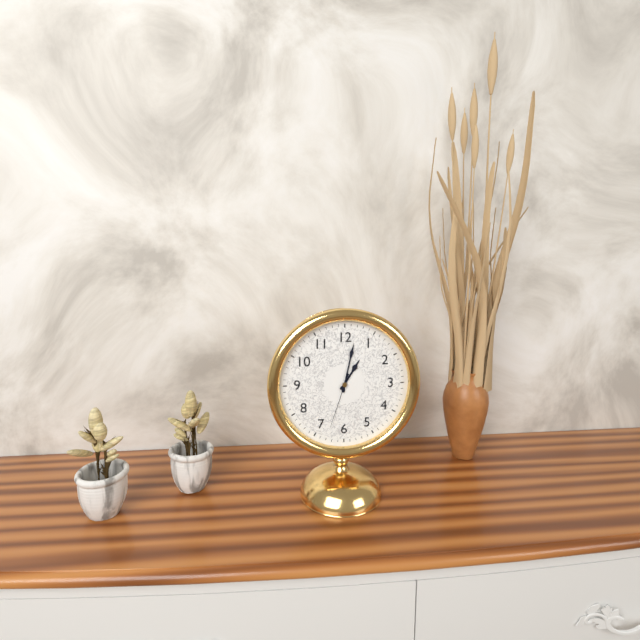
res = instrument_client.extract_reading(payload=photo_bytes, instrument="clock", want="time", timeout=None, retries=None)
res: 1:02:33
